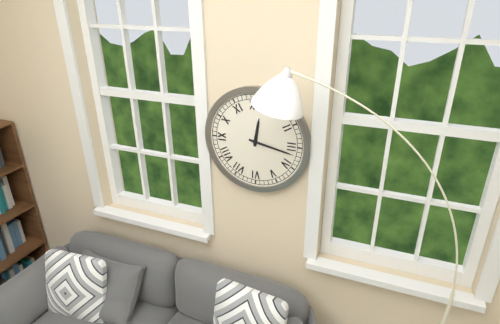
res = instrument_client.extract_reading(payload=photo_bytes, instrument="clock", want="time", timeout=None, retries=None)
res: 12:17
